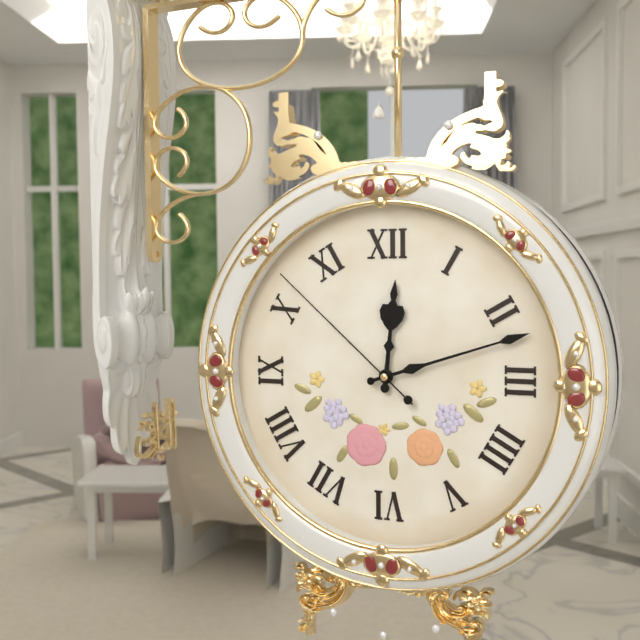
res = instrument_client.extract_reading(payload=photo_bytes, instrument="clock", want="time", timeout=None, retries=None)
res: 12:12:52
